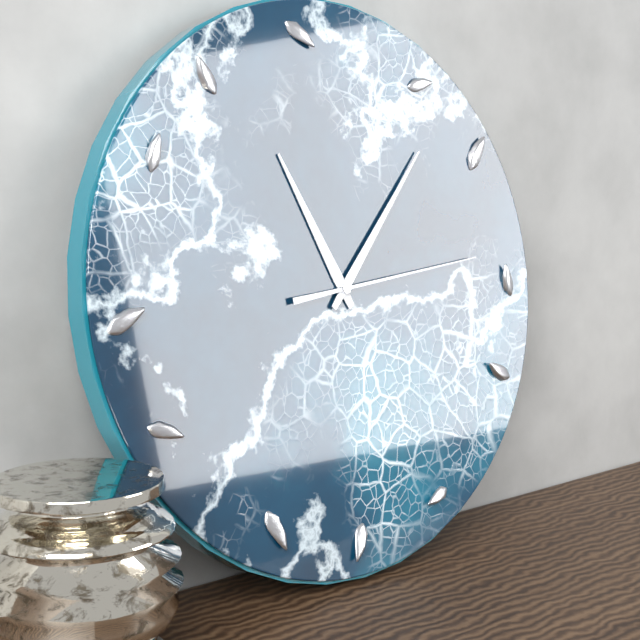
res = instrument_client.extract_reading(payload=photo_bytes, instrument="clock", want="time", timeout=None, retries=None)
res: 11:07:14
